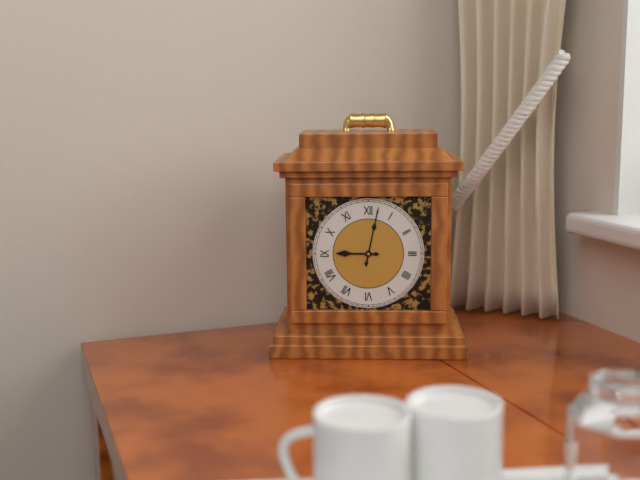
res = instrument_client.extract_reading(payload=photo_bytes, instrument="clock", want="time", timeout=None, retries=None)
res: 9:02
